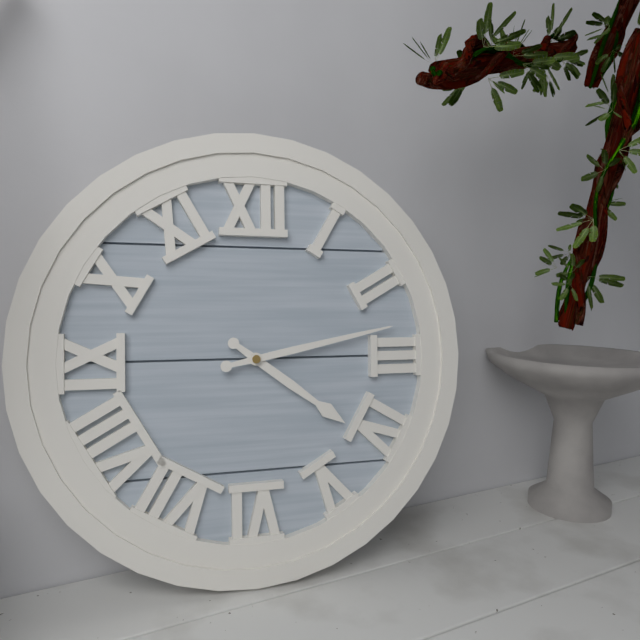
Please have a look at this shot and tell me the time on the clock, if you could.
4:13
